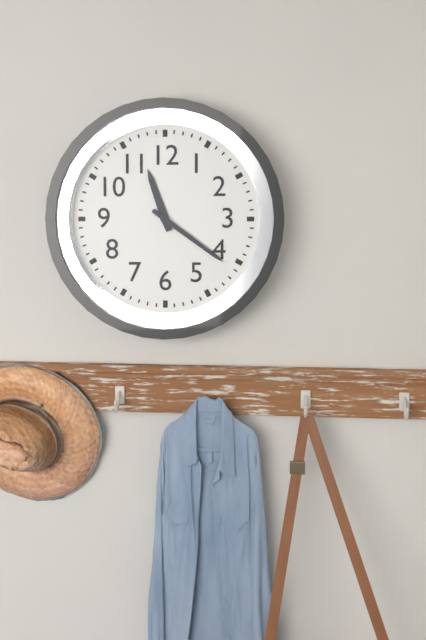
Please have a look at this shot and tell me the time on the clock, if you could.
11:21
